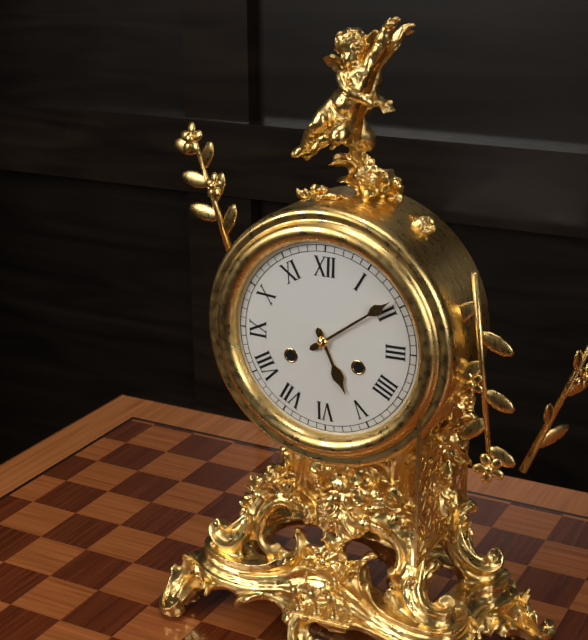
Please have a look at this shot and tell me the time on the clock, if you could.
5:09
